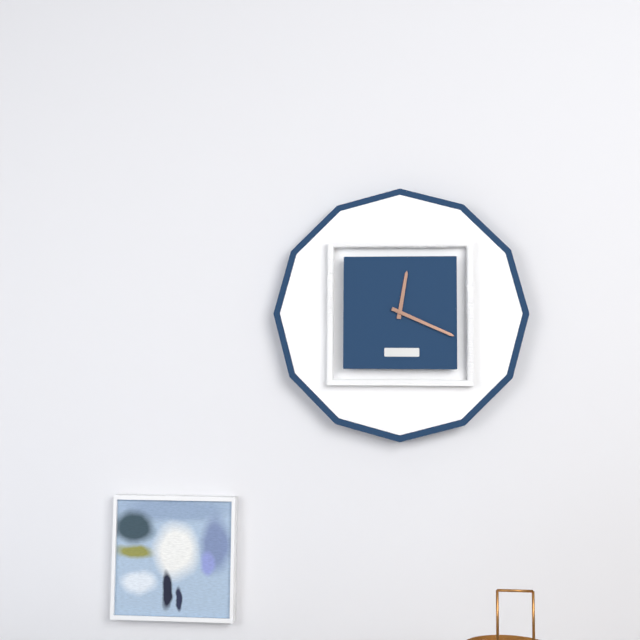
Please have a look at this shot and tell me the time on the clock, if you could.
12:19
